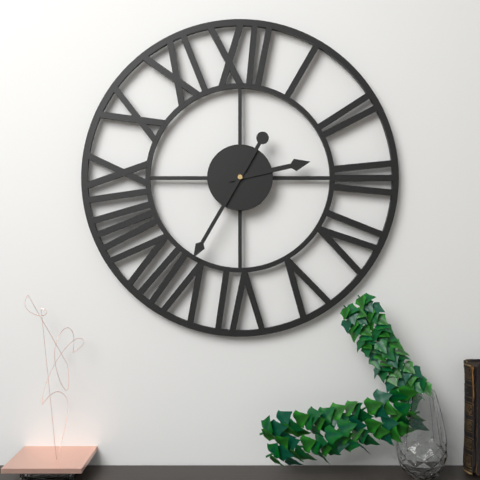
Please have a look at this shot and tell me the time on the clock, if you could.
2:35
